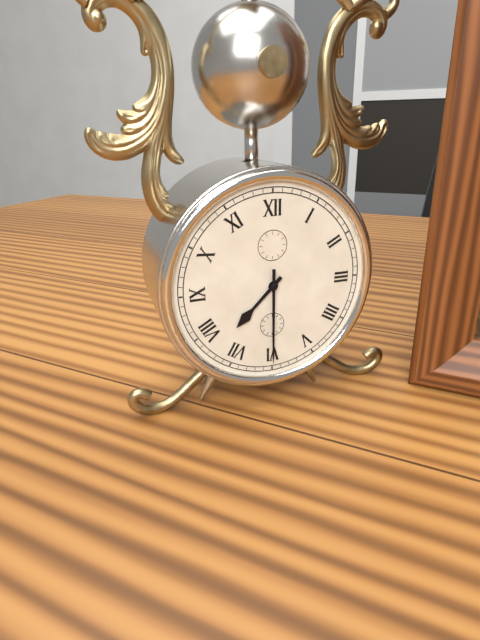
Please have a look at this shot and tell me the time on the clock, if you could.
7:30
